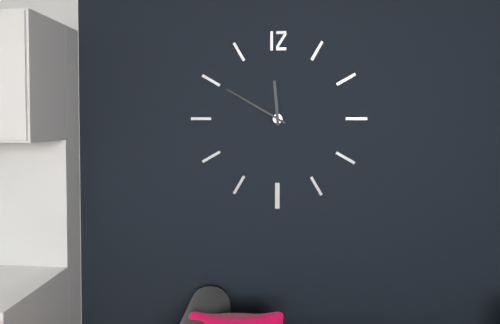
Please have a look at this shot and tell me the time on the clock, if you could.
11:50
